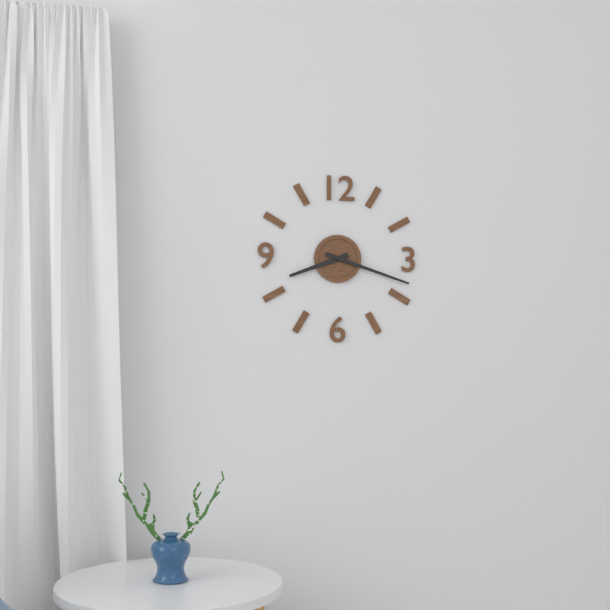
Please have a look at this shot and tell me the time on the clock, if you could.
8:18
